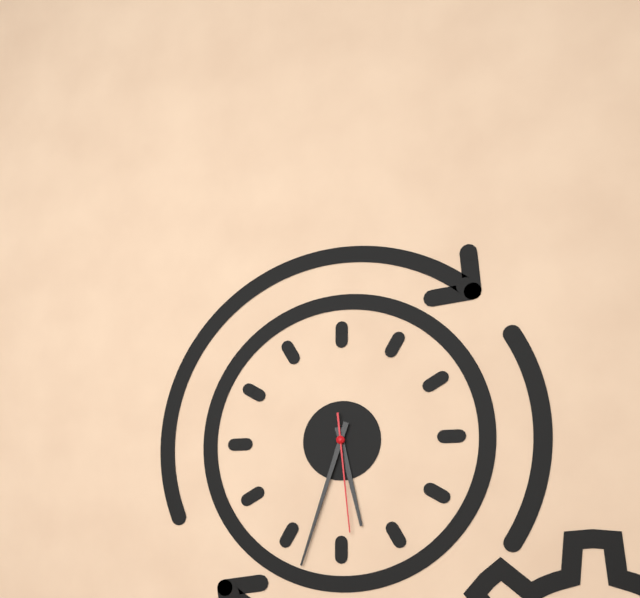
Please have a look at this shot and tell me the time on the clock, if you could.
5:33:29
